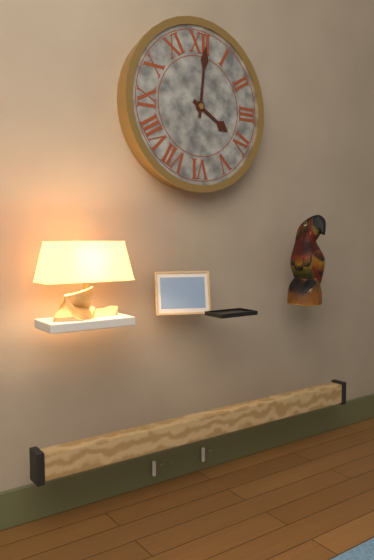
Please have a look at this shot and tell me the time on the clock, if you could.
4:01
